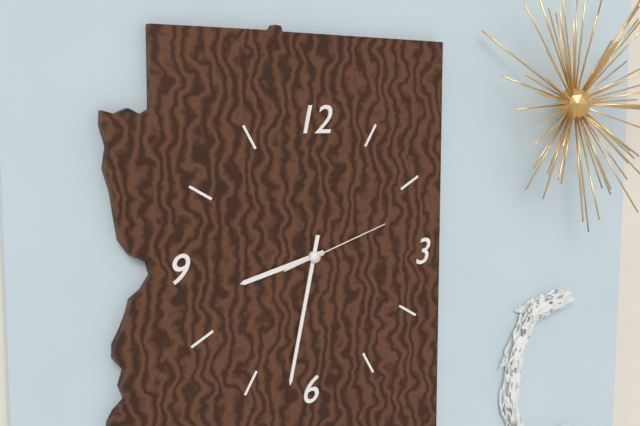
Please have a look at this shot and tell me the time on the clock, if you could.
8:32:12
